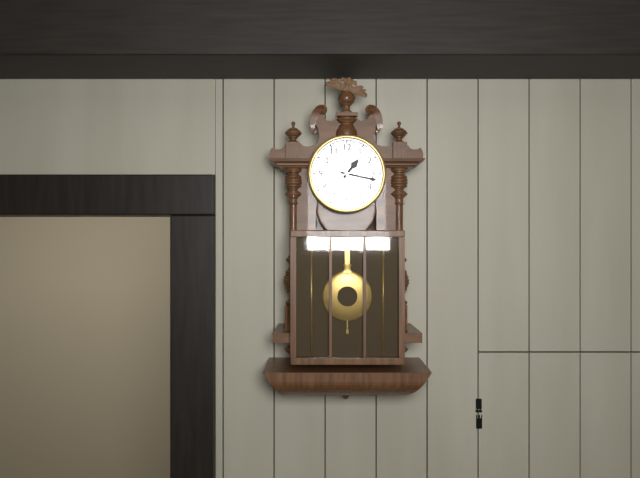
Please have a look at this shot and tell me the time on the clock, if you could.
1:17
